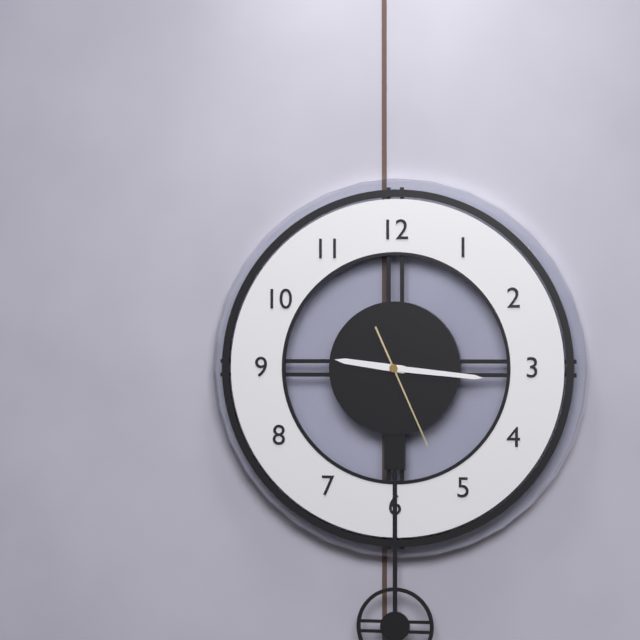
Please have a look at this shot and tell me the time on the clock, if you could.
9:16:26
